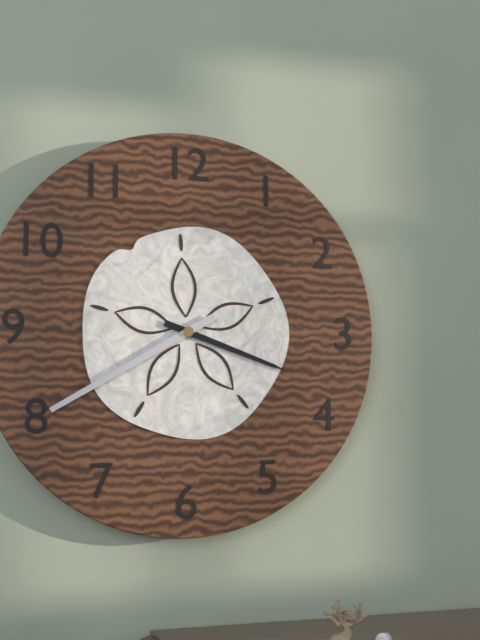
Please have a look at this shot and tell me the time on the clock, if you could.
3:40
